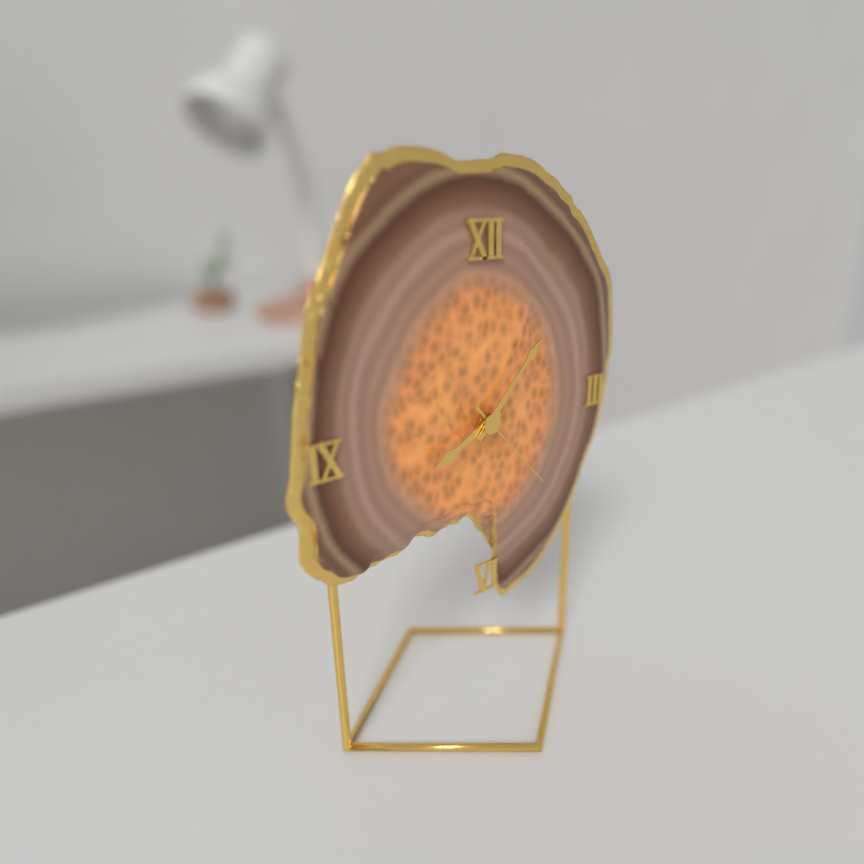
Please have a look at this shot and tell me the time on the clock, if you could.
8:07:23
